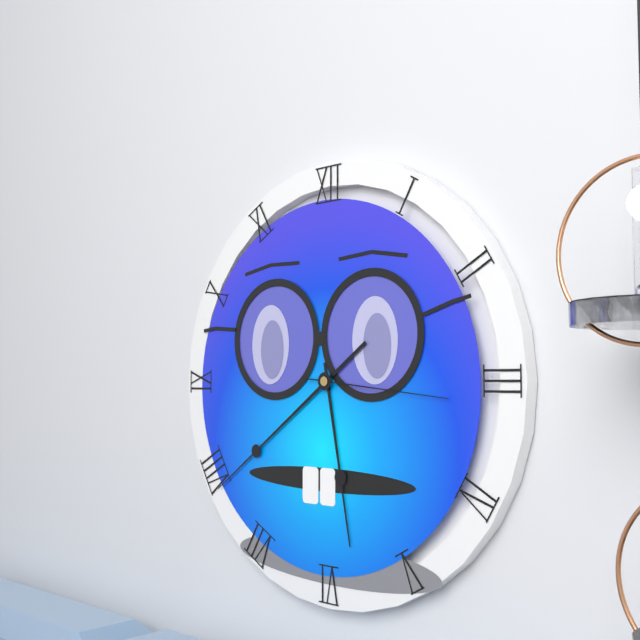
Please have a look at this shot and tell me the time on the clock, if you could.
5:39:16
